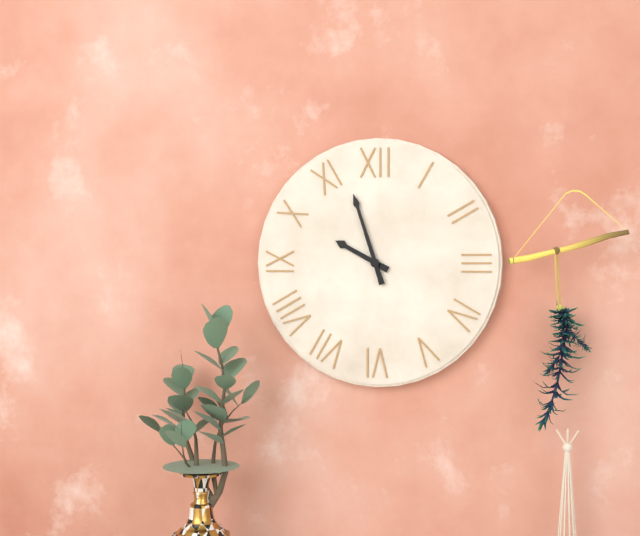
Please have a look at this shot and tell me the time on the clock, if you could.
9:57
